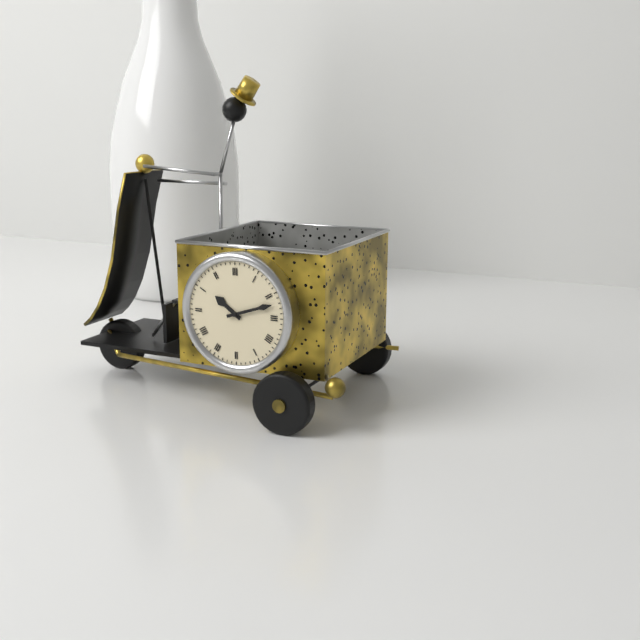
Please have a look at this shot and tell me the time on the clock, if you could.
10:12
